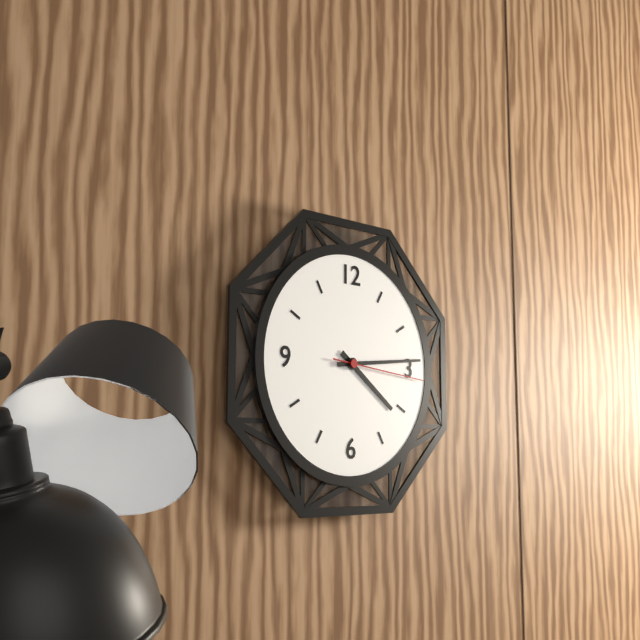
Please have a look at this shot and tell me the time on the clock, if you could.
4:14:16
